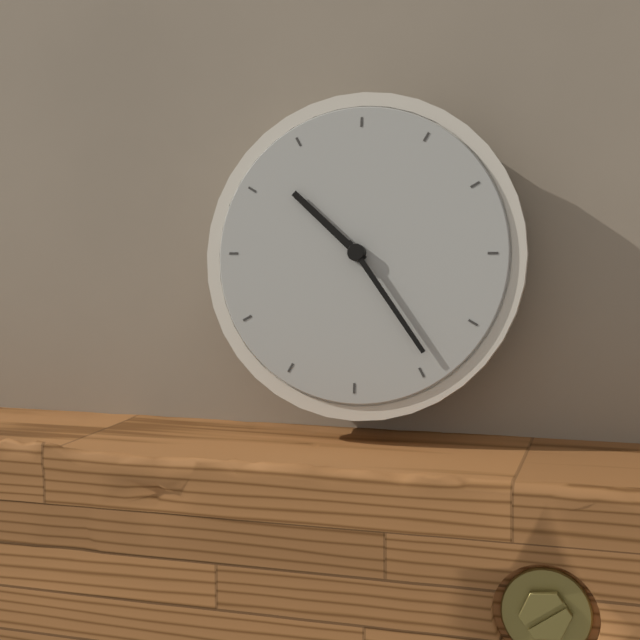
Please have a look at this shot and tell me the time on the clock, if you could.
10:24
